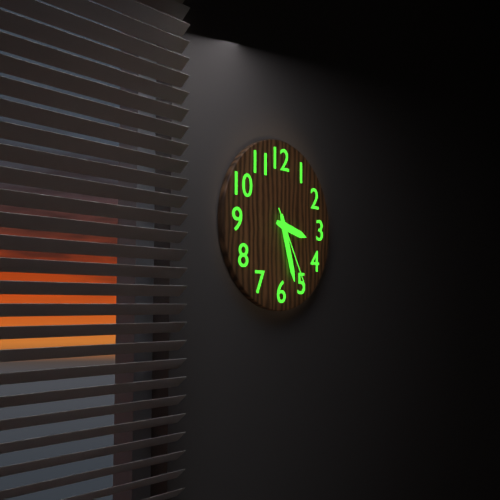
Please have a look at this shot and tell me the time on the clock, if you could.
3:27:25
